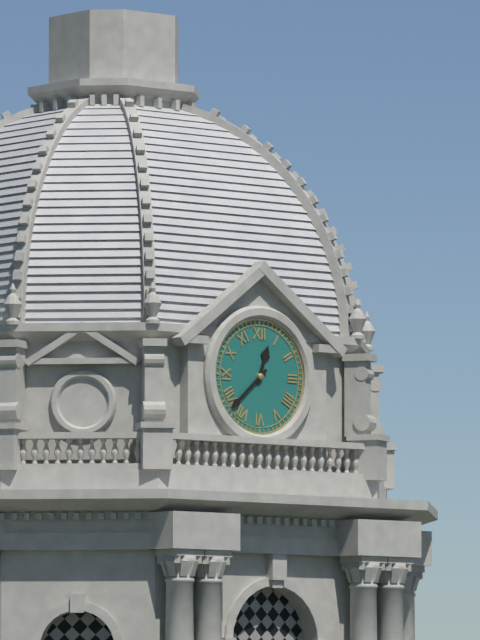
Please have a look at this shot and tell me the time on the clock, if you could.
12:38
